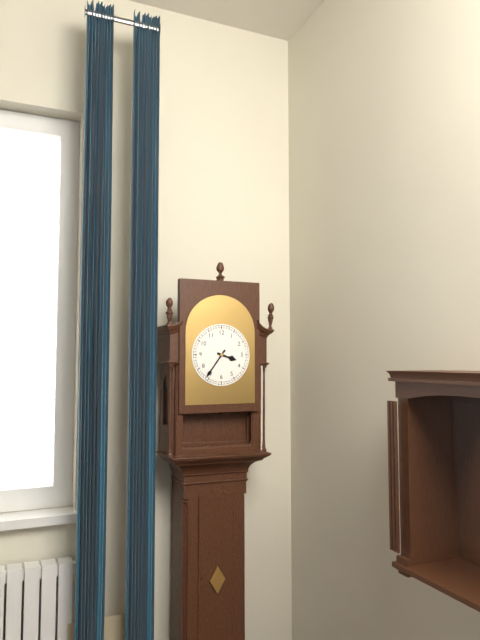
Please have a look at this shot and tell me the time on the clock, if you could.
3:36
